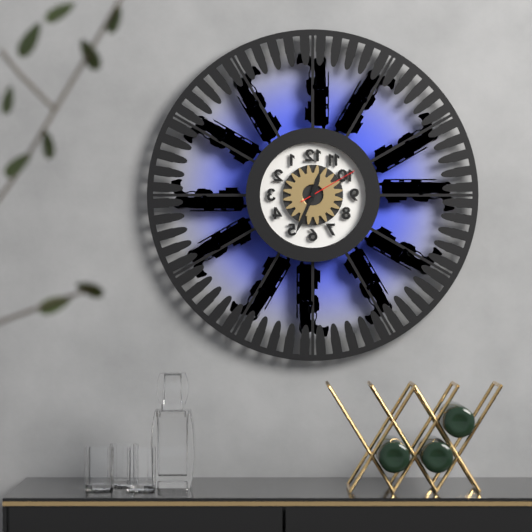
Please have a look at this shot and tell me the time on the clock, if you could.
12:34:10
